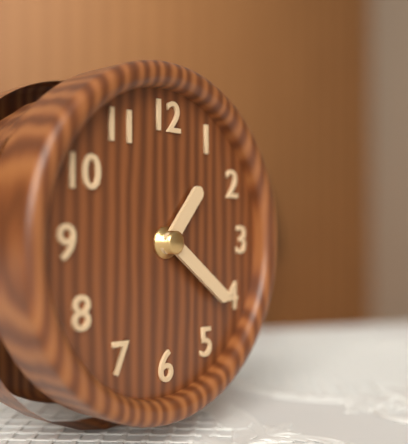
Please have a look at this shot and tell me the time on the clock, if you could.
1:21
